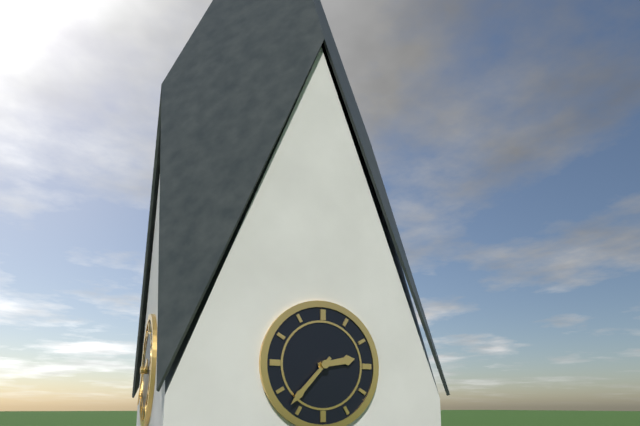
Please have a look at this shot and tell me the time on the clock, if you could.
2:37
